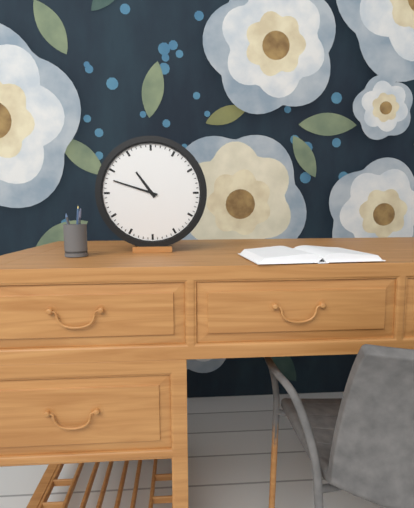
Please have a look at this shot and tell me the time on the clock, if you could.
10:48
